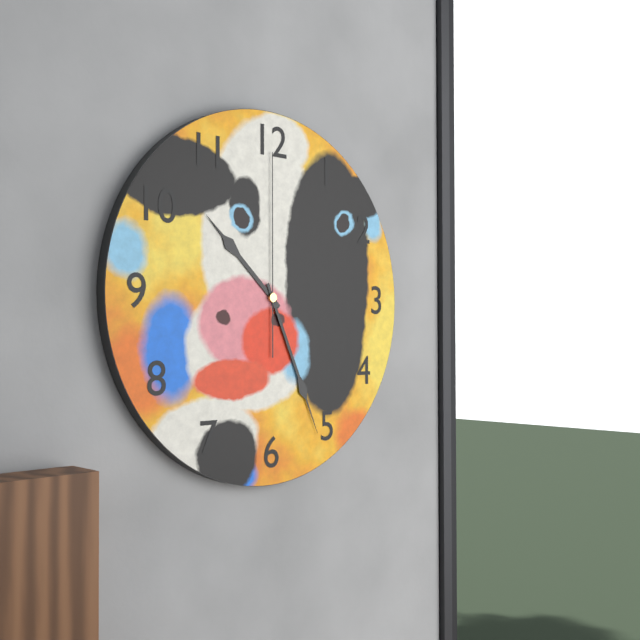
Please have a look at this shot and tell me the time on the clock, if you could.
10:26:00
